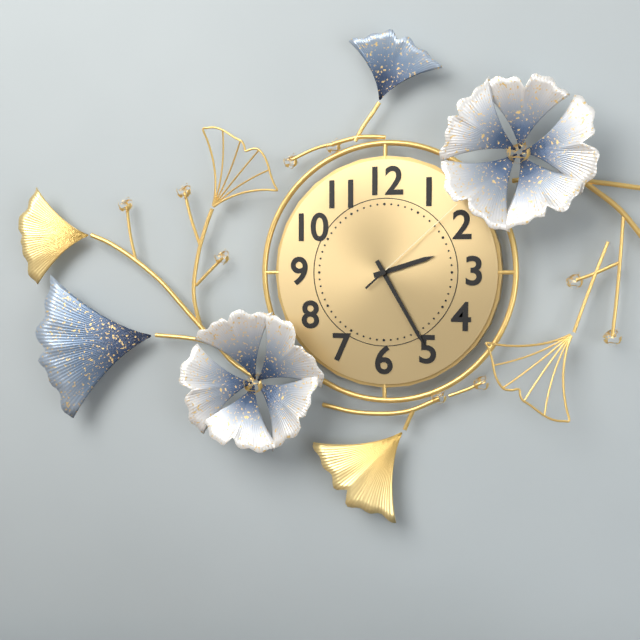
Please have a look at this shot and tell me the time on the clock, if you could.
2:25:08
